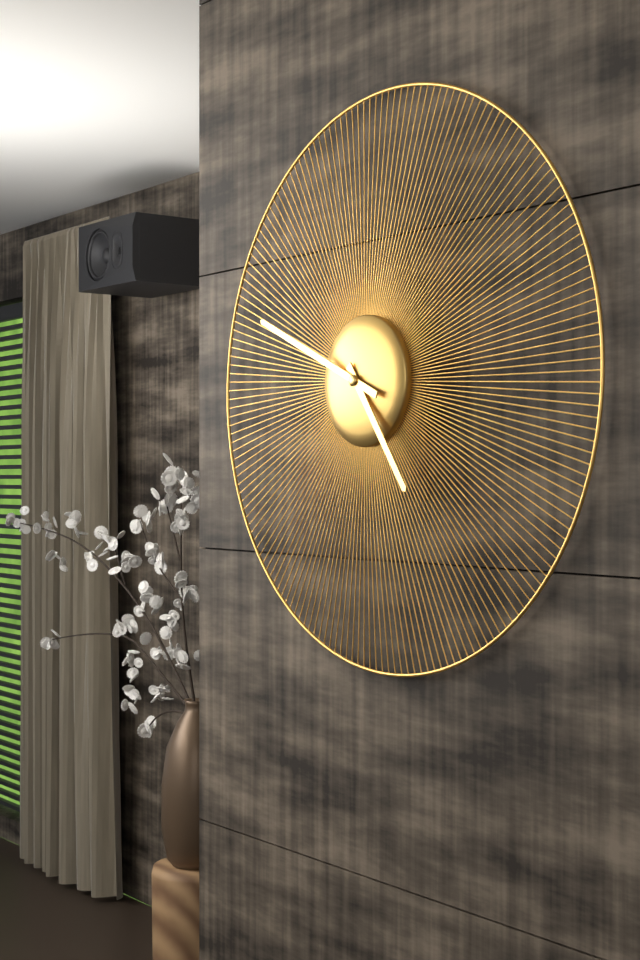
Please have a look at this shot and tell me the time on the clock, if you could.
4:49
